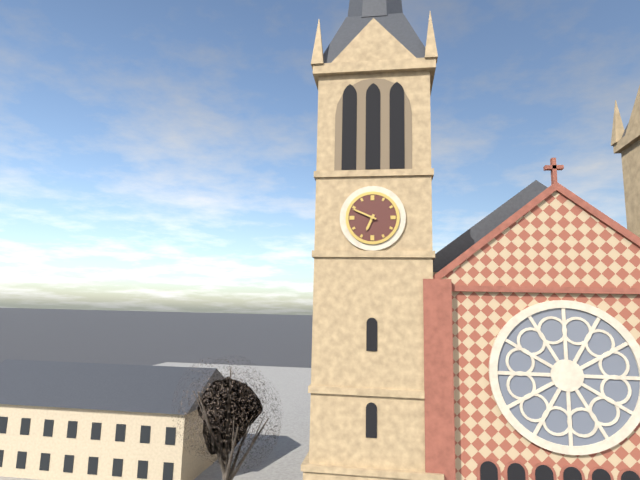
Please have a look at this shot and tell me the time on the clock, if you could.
6:49
